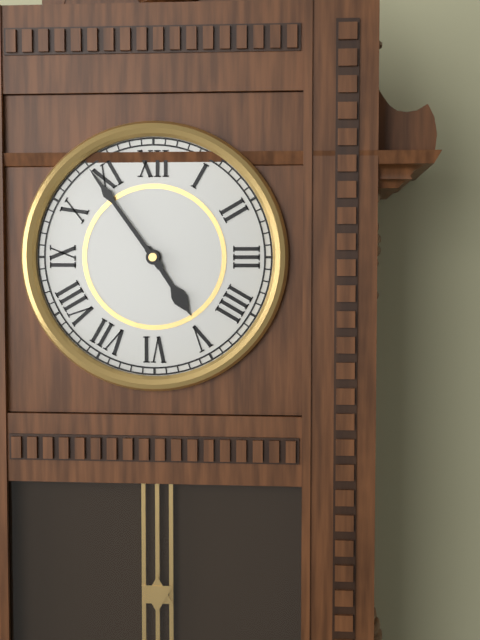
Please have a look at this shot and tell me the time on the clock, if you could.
4:54
